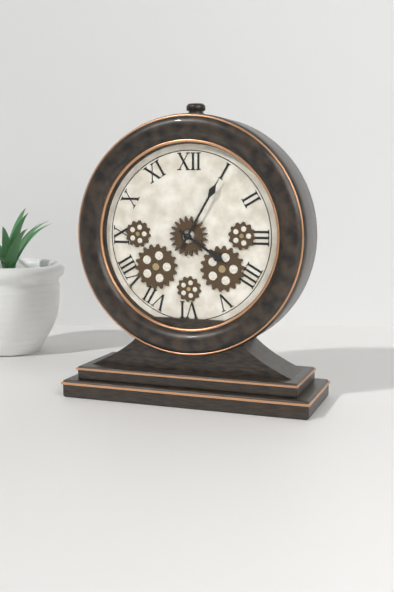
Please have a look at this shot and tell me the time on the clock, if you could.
4:05
